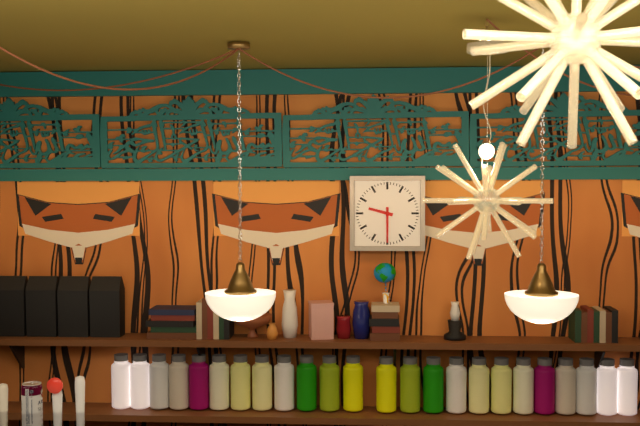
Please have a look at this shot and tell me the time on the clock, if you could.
9:30
